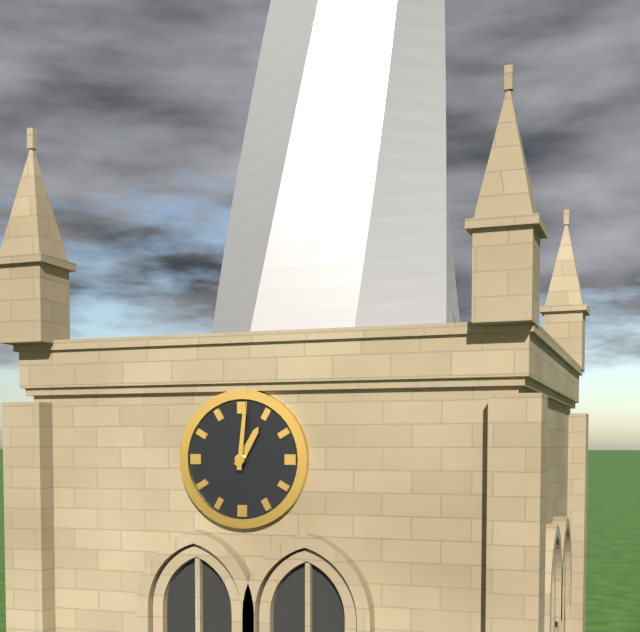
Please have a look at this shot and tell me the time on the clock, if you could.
1:01
